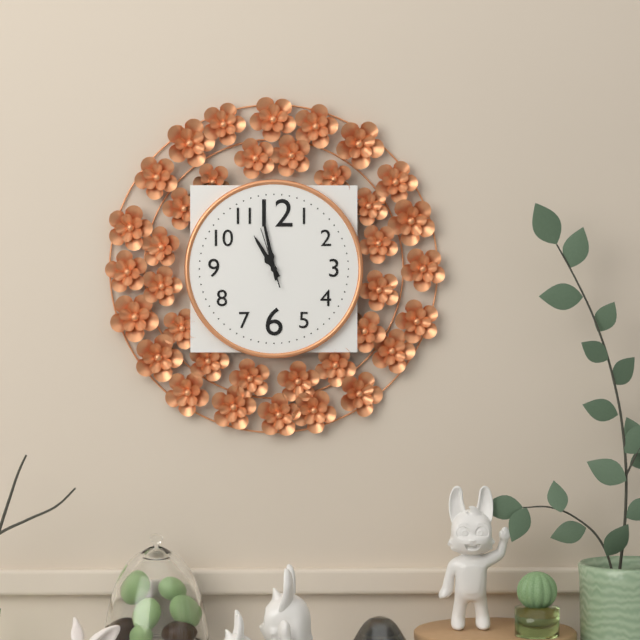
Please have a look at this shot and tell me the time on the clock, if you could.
10:58:57
